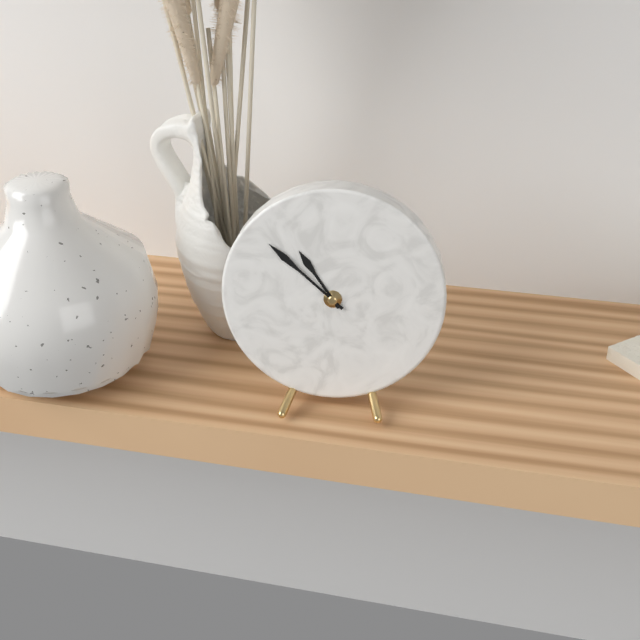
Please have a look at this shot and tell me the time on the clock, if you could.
10:52
